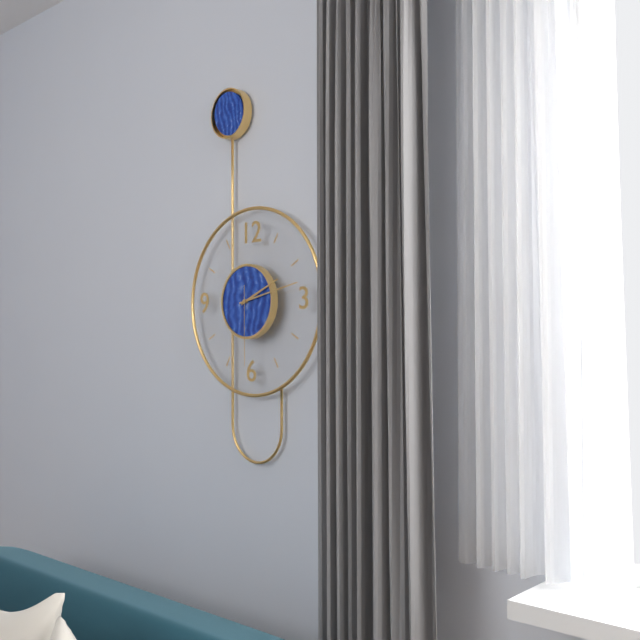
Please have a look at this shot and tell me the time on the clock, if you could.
2:13:30
